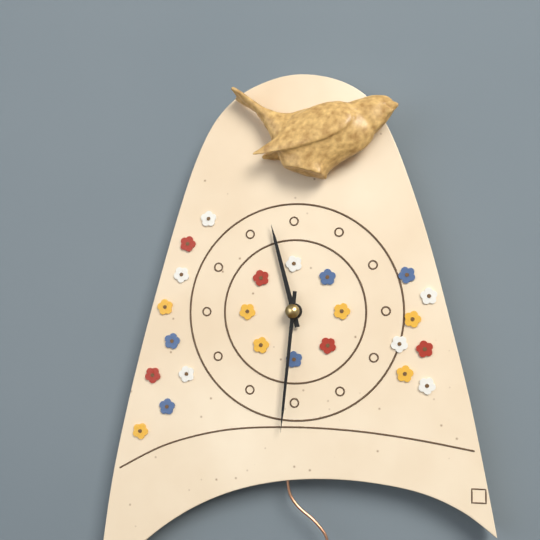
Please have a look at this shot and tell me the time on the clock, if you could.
11:31
